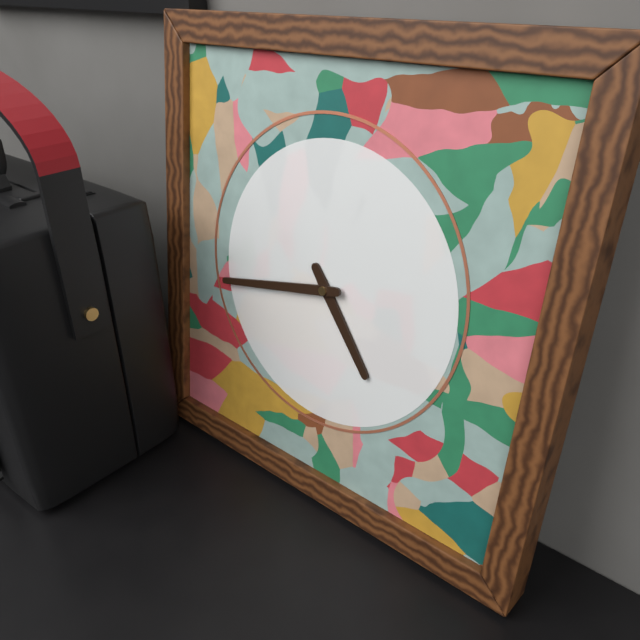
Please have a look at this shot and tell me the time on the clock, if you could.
4:43
